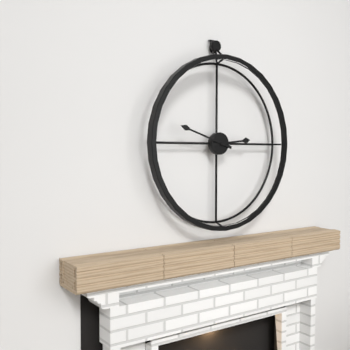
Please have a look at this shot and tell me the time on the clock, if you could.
2:48
